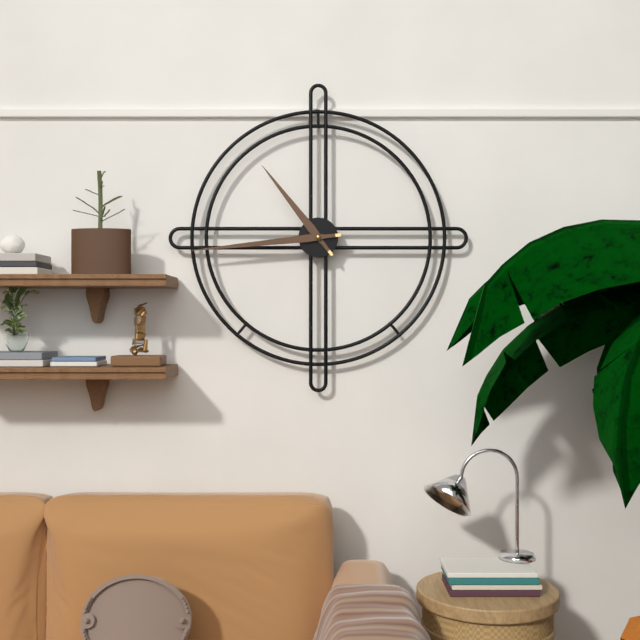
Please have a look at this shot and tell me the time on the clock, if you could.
10:44
